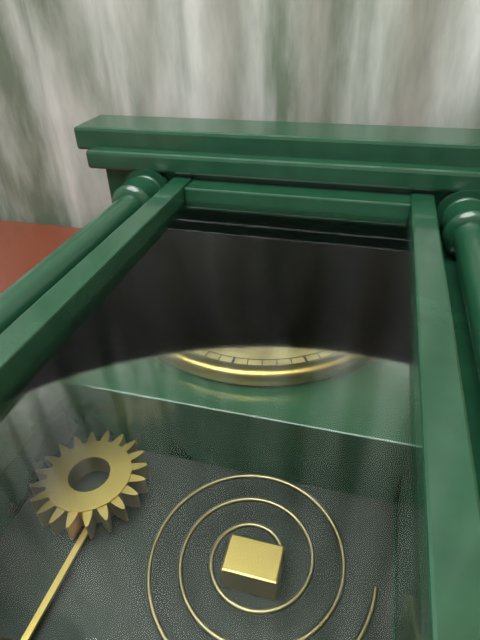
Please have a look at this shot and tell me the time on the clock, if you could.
6:00
